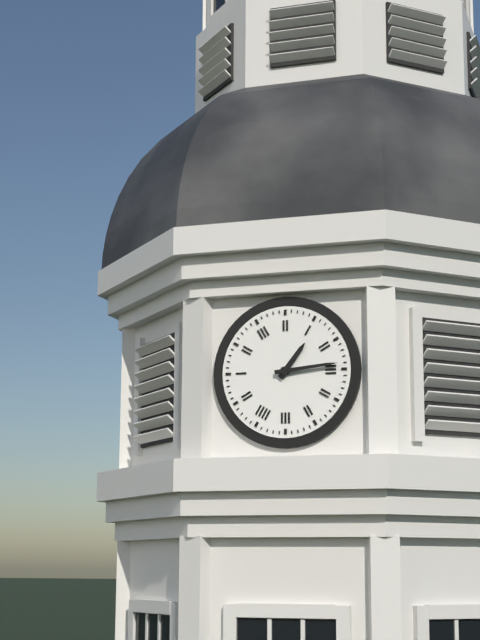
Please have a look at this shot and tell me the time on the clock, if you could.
1:14
